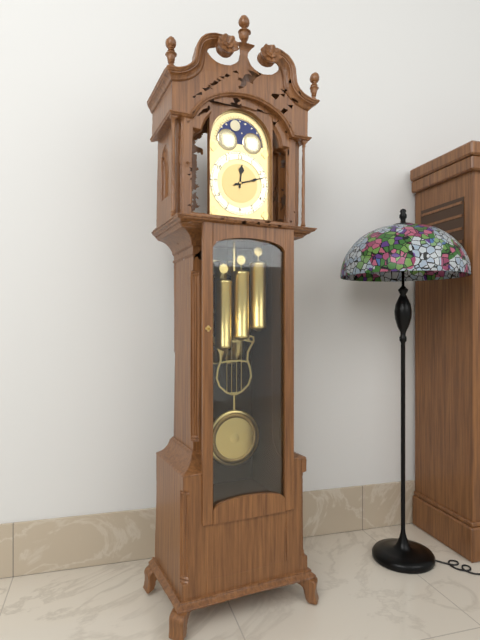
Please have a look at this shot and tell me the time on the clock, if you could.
12:12
